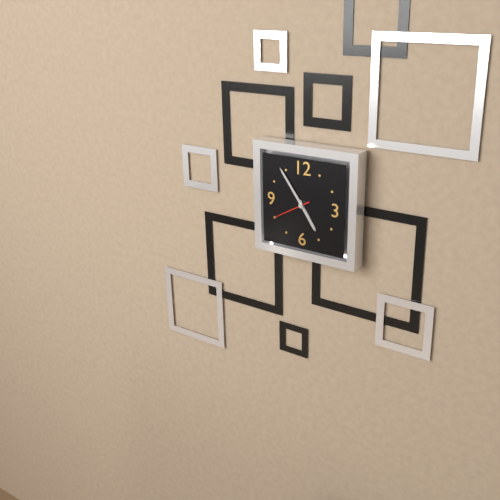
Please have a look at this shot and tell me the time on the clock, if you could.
4:54
